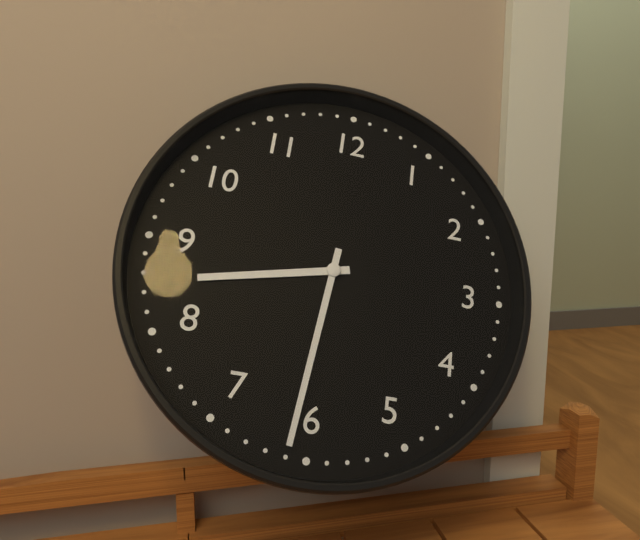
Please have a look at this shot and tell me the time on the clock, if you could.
8:31
